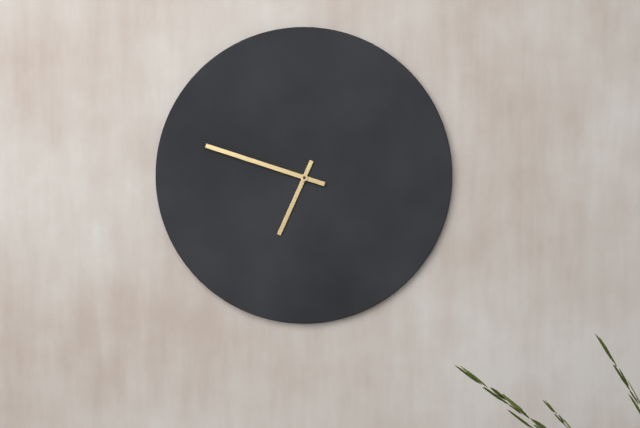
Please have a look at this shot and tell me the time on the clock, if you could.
6:48
